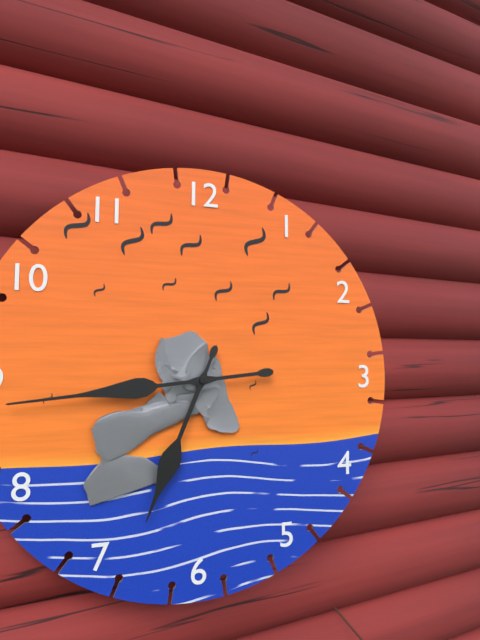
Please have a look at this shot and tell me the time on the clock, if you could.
6:44
